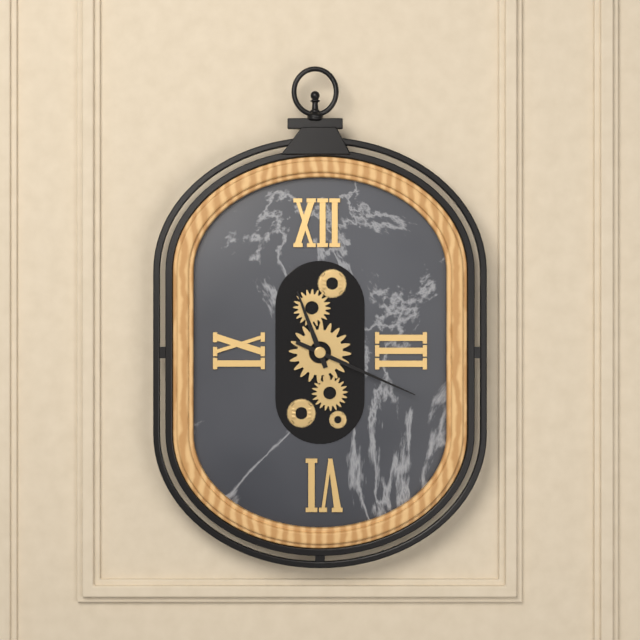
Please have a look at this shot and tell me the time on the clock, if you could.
11:19
